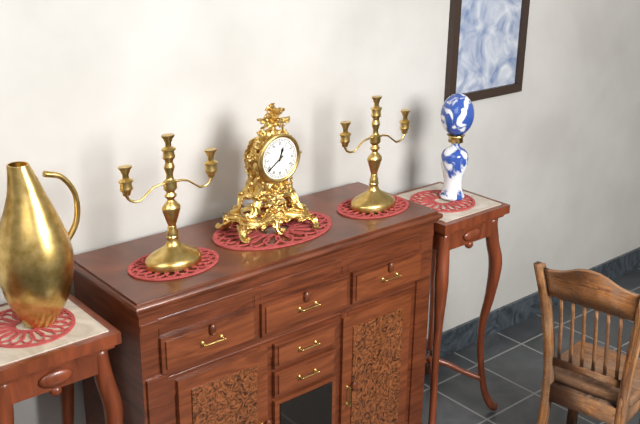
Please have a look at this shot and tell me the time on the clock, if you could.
12:39
